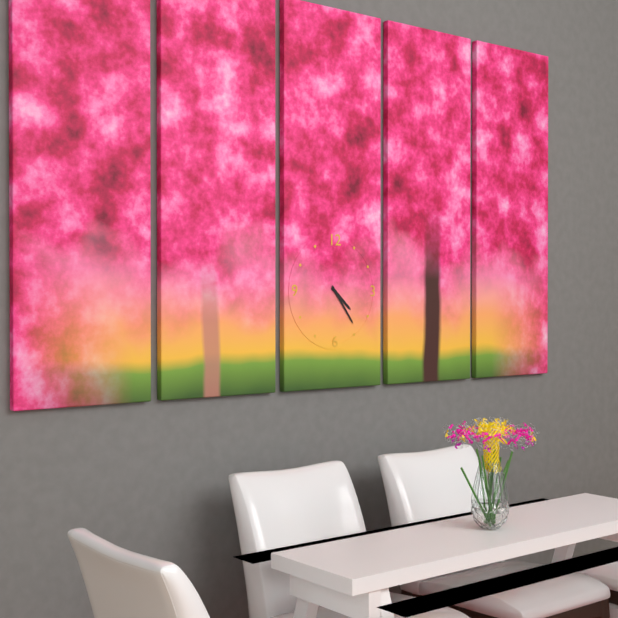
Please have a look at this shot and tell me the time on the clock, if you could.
4:24
